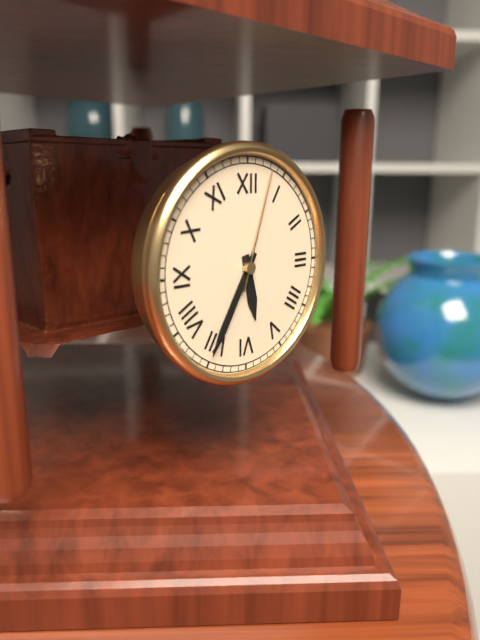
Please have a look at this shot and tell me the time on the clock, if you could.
5:35:03
